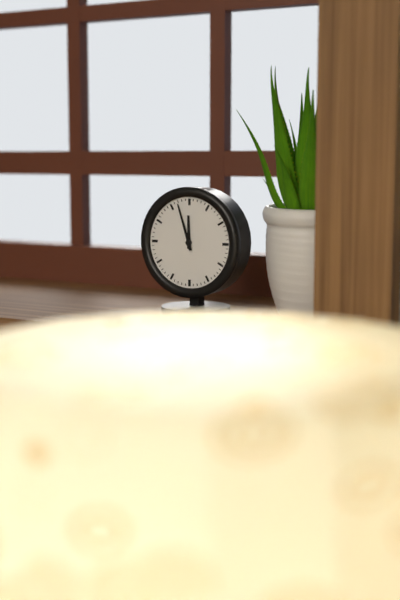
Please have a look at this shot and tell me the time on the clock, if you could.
11:57
